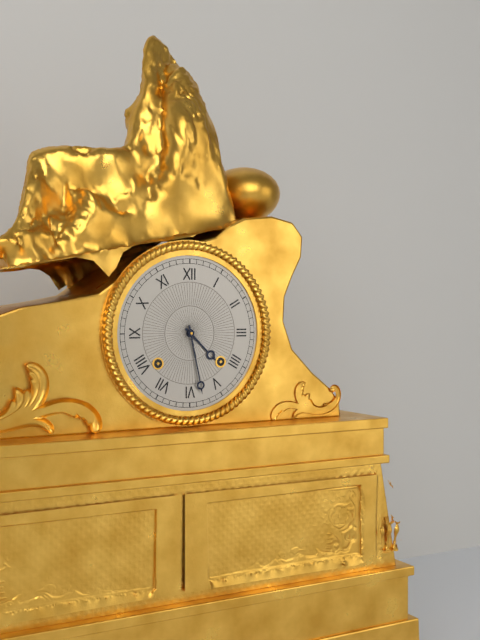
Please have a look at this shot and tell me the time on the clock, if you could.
4:28
